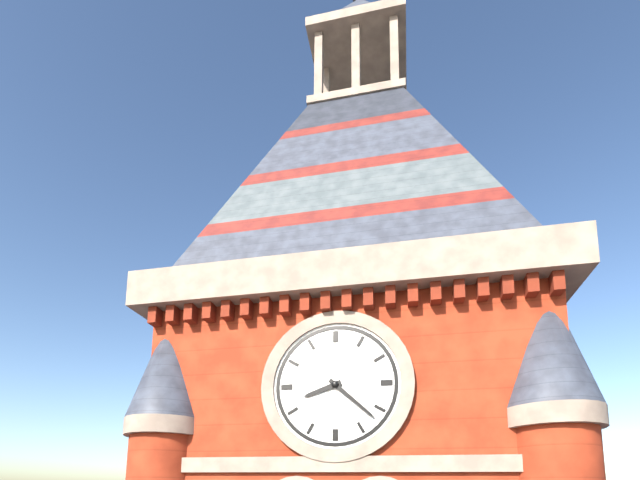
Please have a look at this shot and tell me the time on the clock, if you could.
8:22
